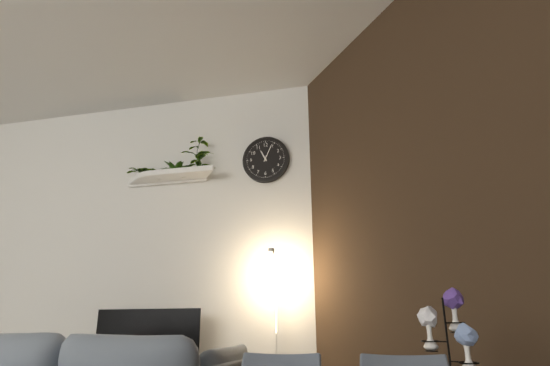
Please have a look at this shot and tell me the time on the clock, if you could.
11:04
